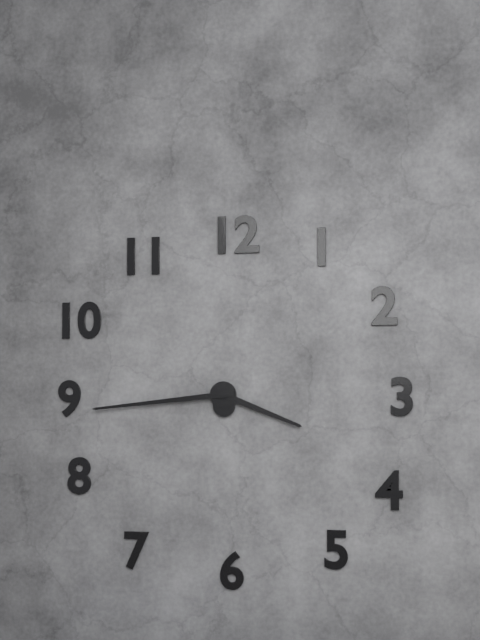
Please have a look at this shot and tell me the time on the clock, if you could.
3:44
